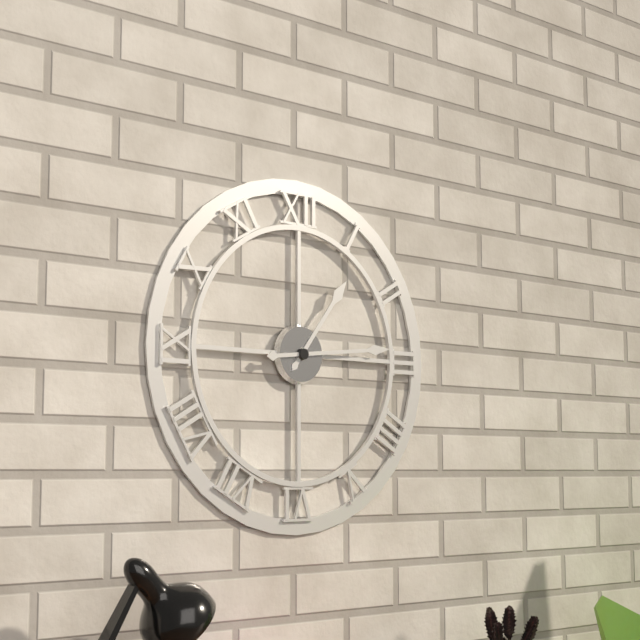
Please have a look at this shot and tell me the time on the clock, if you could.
1:14
